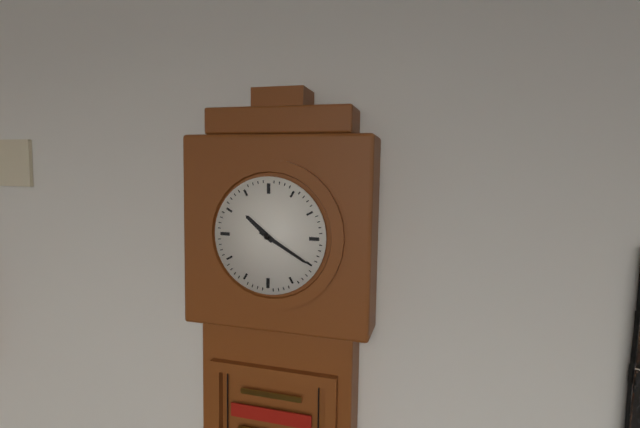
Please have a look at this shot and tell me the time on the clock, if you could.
10:20
